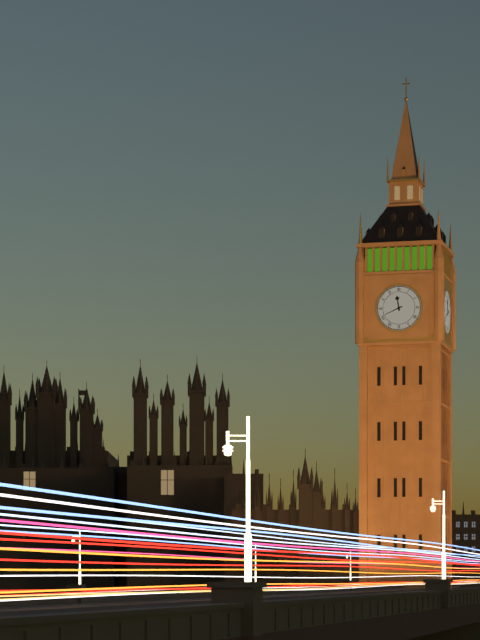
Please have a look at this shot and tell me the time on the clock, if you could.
11:41
